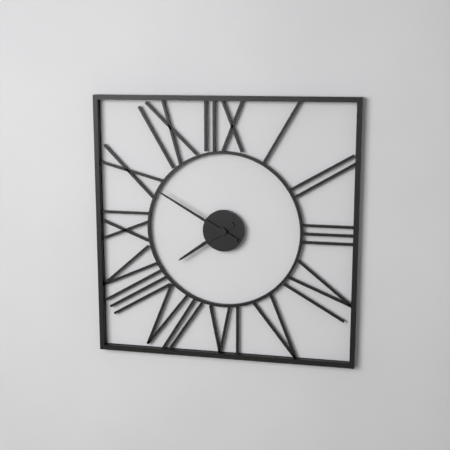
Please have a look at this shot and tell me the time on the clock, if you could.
7:50
